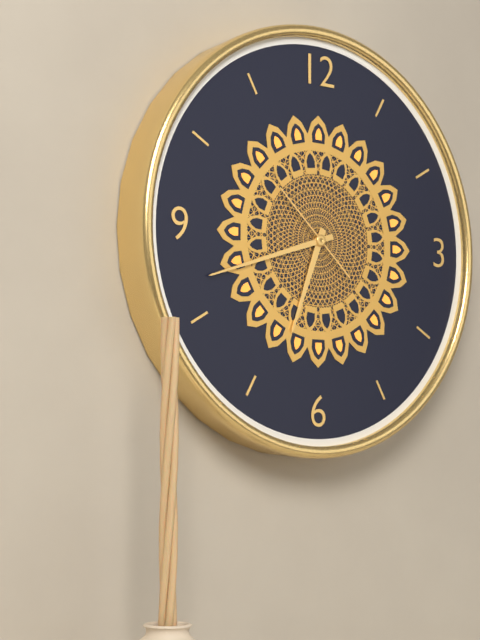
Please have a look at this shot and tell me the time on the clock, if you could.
6:42:52
